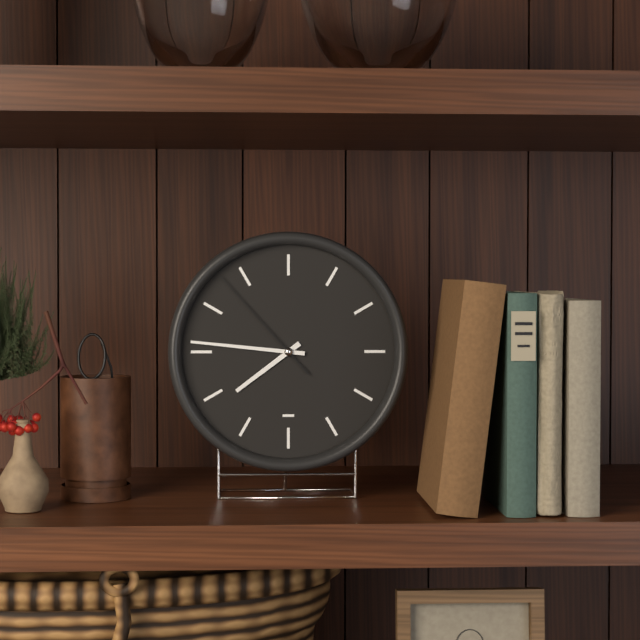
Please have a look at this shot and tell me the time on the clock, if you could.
7:46:53
